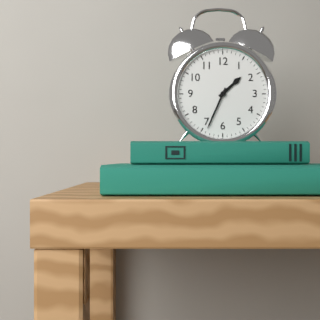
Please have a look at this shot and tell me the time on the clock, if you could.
1:34
